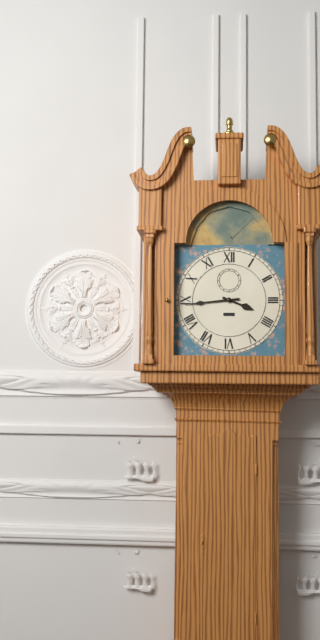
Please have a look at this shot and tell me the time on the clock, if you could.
3:44
